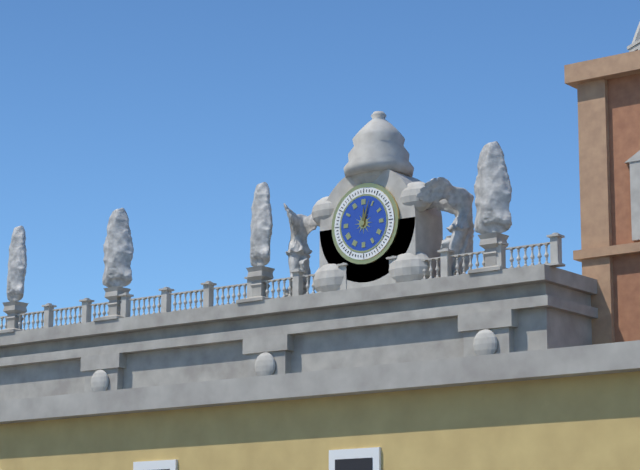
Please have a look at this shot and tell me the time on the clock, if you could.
12:03
